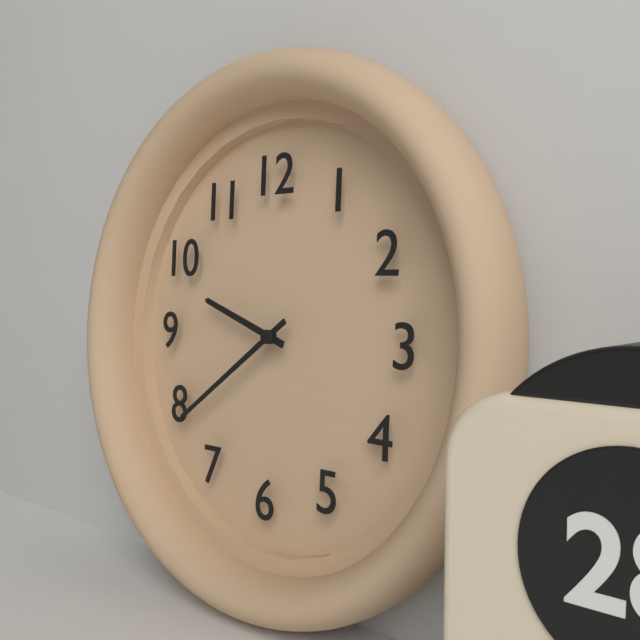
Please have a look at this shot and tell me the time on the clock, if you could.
9:39
